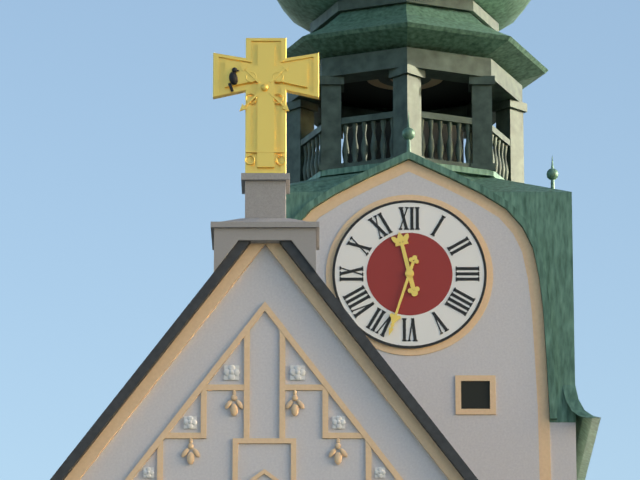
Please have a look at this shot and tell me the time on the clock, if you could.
11:33
